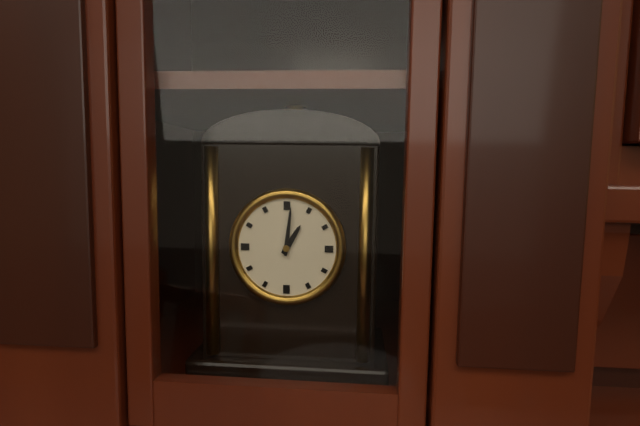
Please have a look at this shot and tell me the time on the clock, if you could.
1:01
